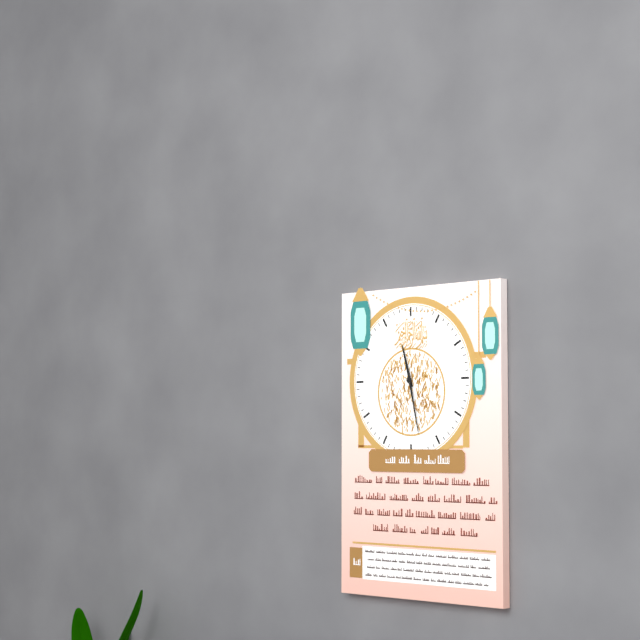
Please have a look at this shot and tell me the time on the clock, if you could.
11:28
